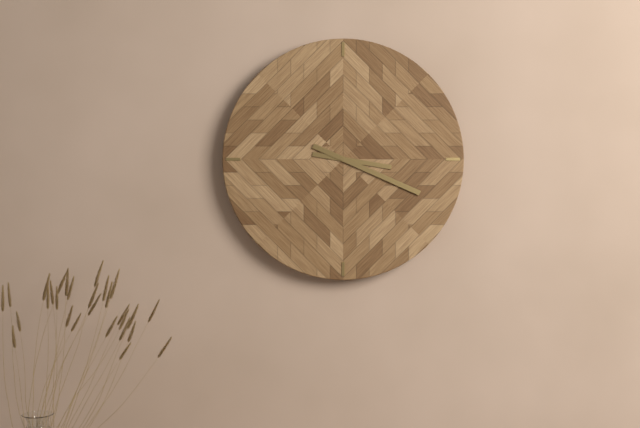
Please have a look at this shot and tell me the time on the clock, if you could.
3:19
